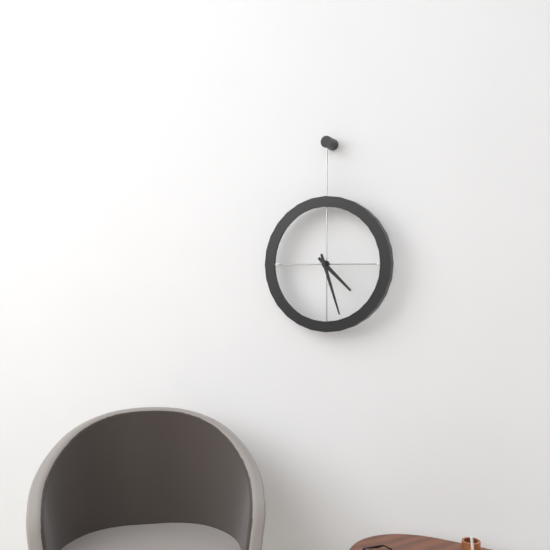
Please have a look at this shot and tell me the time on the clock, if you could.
4:27
